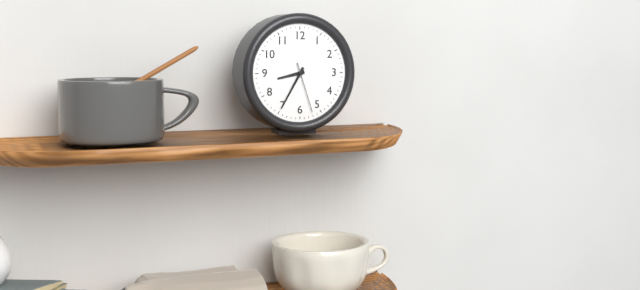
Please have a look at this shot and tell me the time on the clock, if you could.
8:35:27
